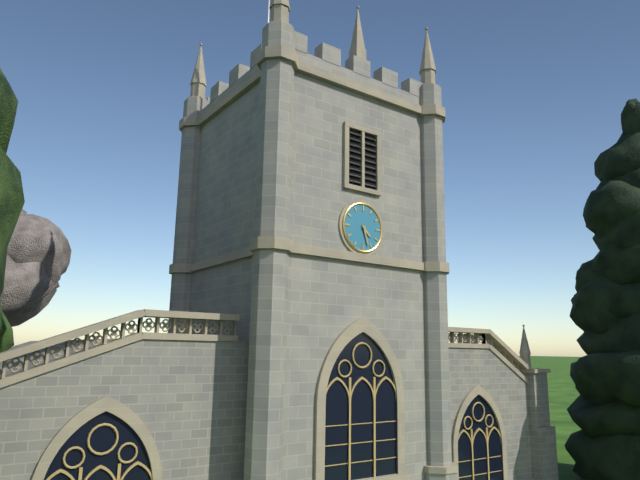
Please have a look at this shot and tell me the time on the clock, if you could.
4:27
